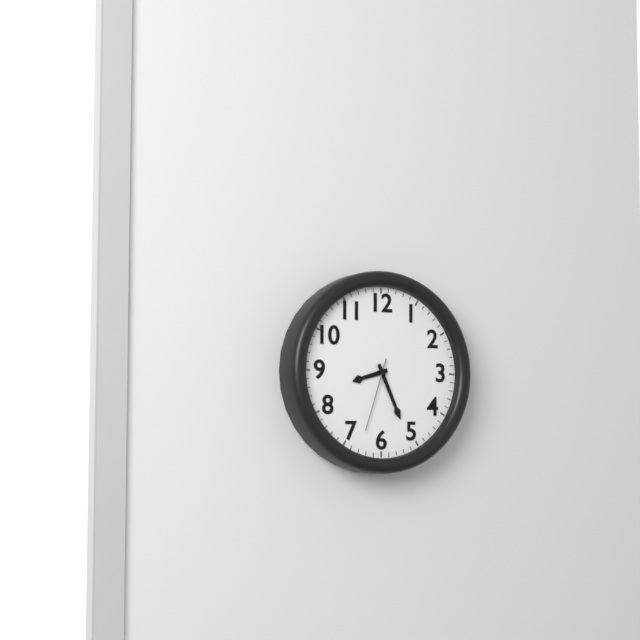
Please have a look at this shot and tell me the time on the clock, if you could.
8:26:33
